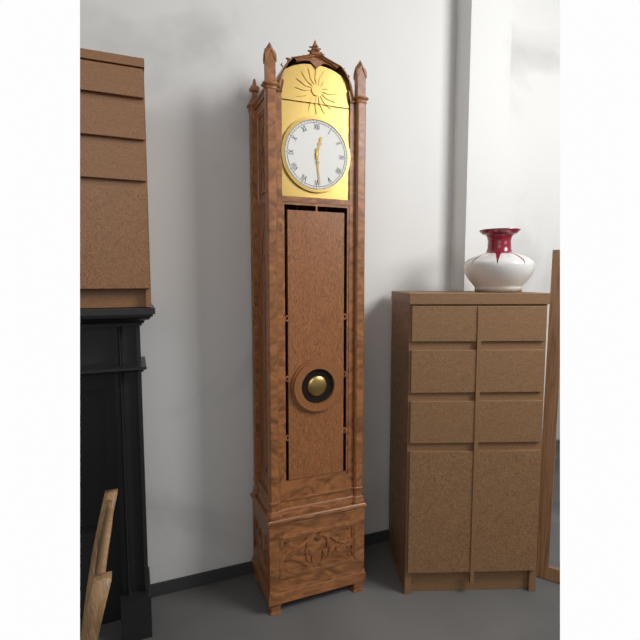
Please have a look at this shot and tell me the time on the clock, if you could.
12:29
